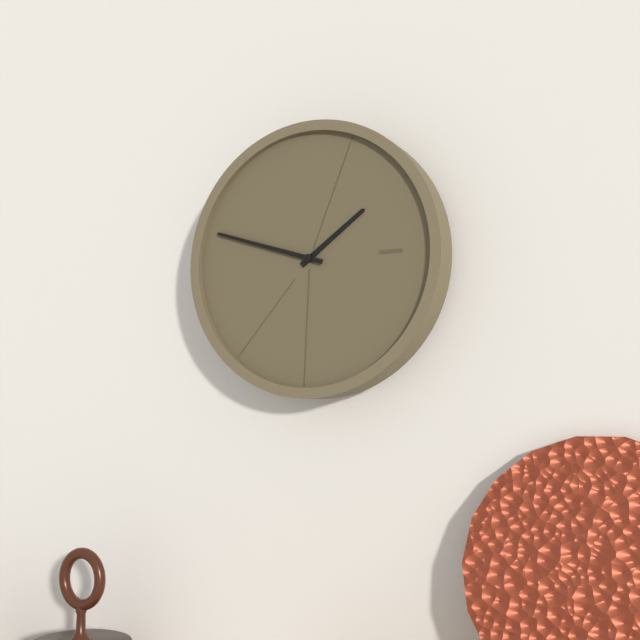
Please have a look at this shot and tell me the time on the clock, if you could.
1:48
